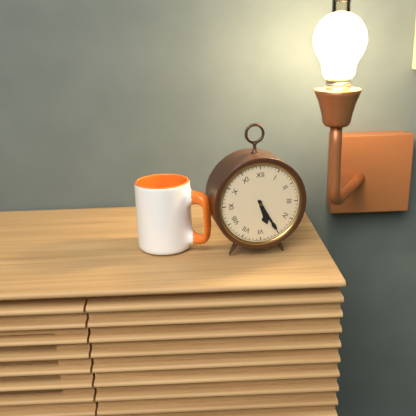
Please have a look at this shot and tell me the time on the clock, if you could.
5:25
